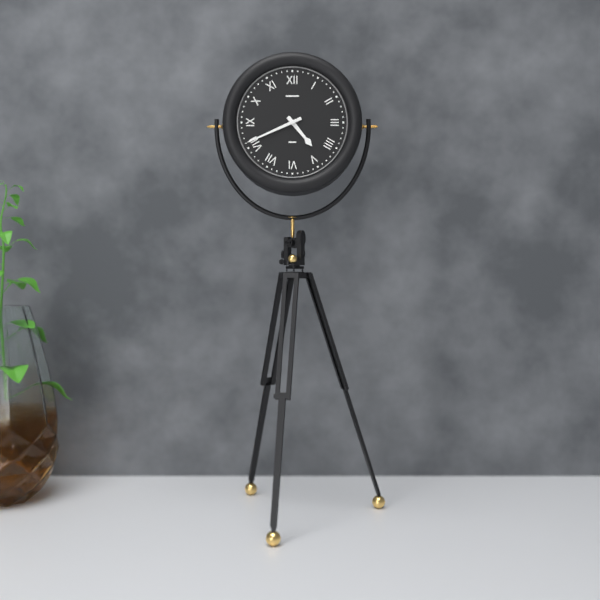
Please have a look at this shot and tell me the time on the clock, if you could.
4:41
